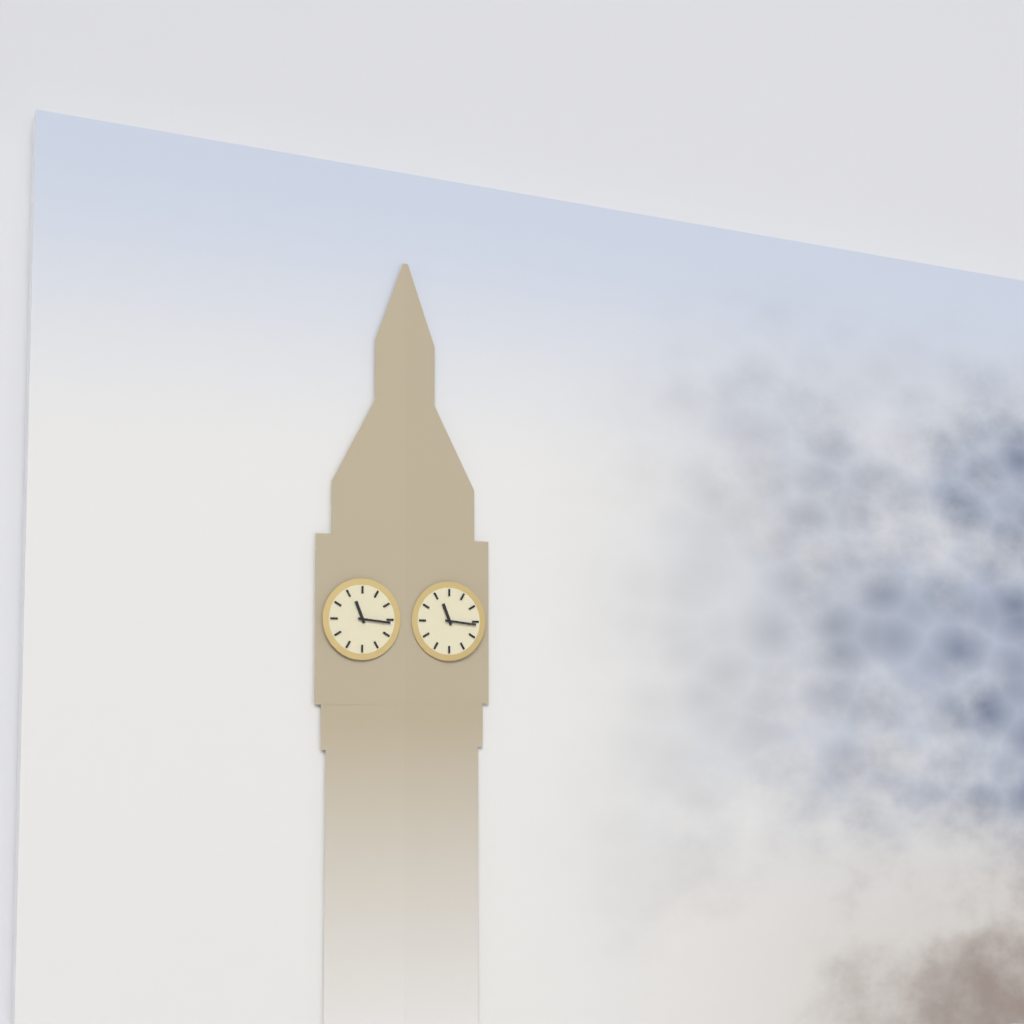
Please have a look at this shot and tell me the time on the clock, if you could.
11:16
